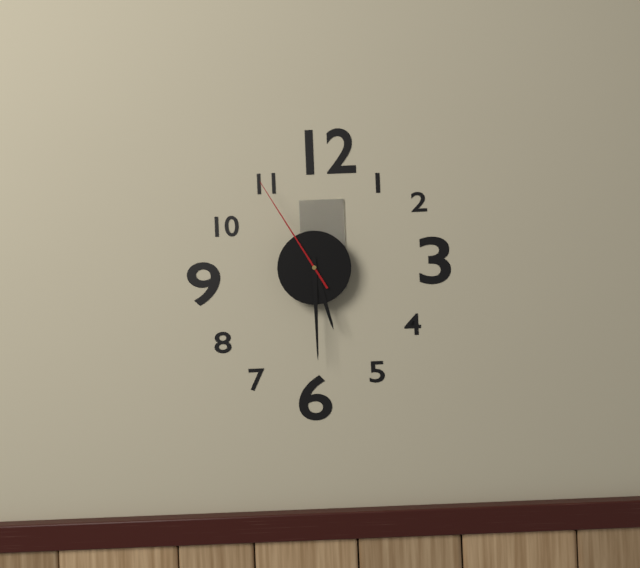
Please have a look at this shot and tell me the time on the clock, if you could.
5:30:55
